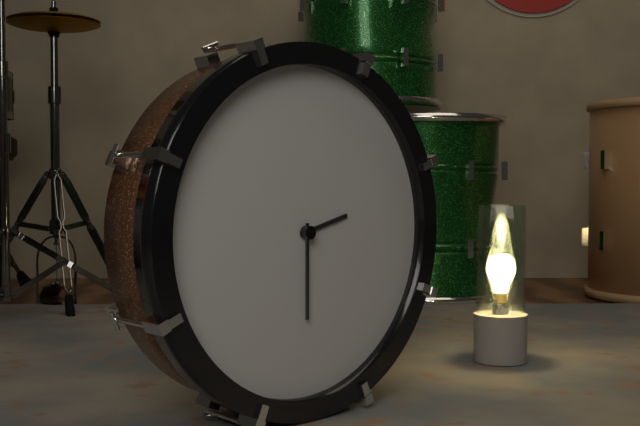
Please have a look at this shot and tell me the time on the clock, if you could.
2:30
